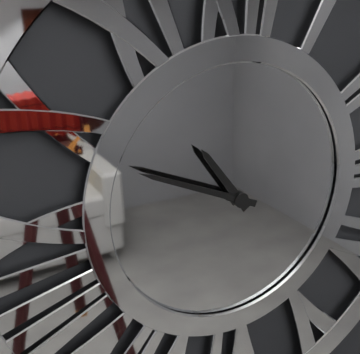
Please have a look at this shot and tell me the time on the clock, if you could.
10:49
